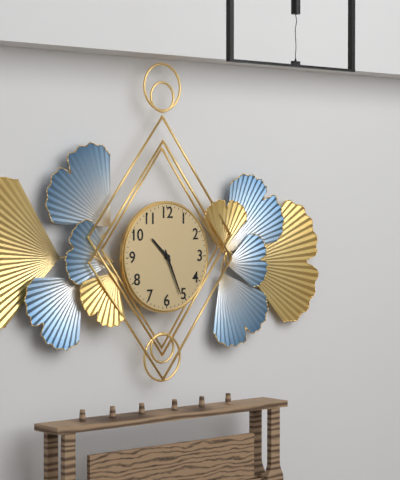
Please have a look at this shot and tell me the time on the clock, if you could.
10:26
